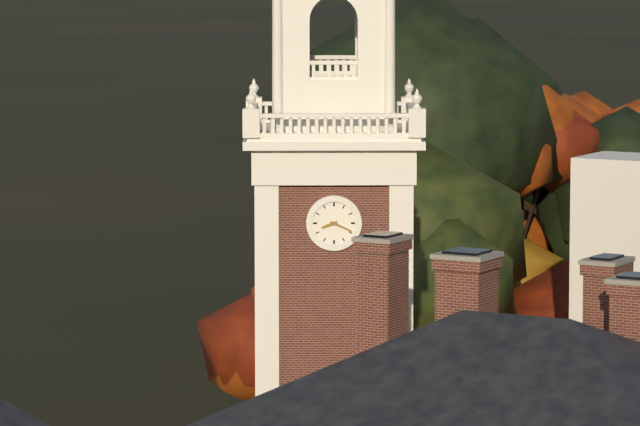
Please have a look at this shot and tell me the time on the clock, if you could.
8:19
